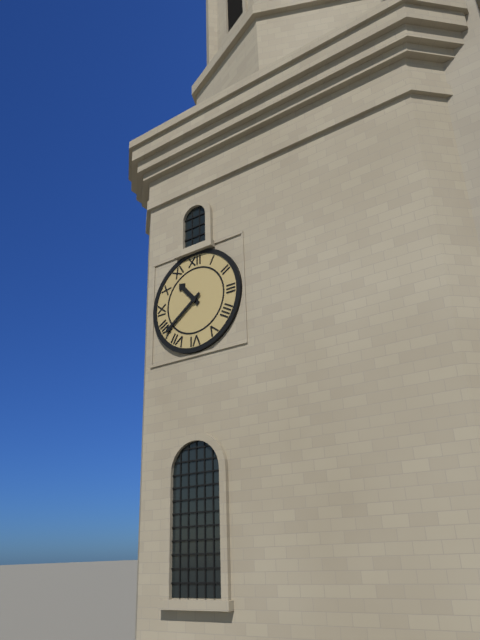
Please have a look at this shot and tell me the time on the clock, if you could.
10:39
